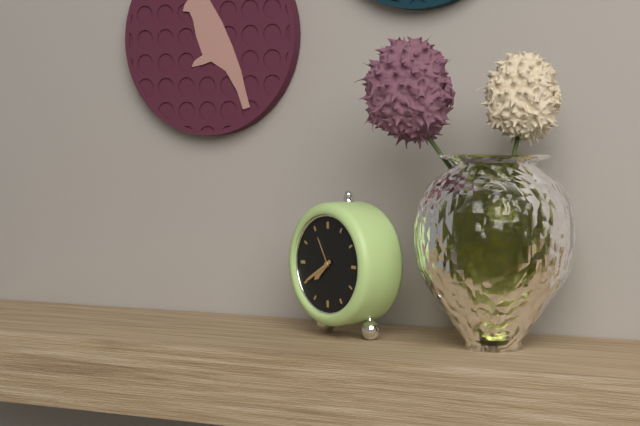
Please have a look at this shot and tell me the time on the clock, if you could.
7:40
